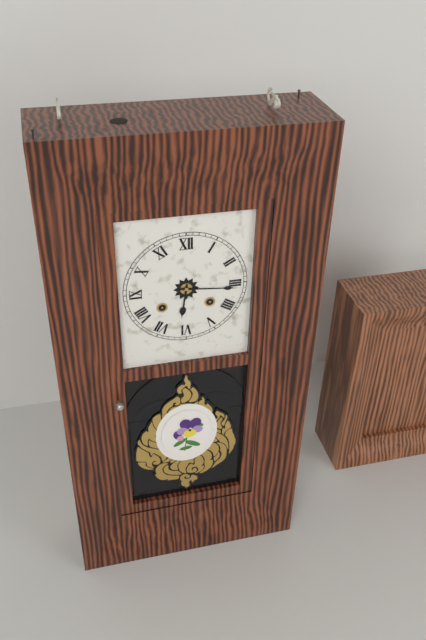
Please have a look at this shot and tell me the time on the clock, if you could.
6:16
